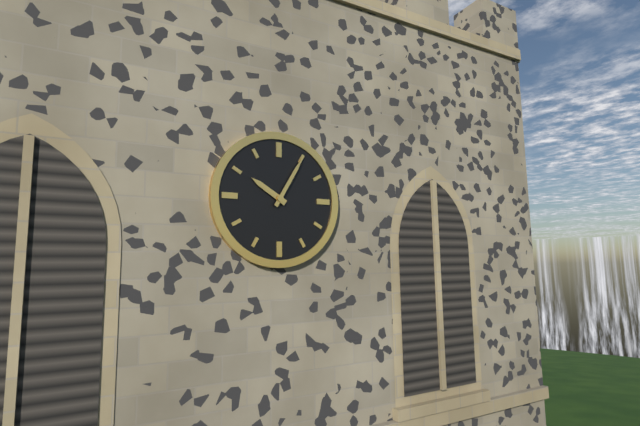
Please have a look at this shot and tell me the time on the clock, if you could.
10:05
